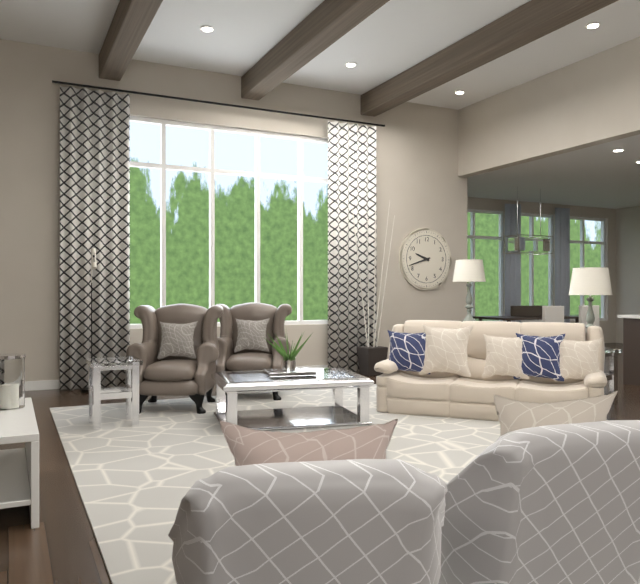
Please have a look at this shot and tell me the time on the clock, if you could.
9:42
